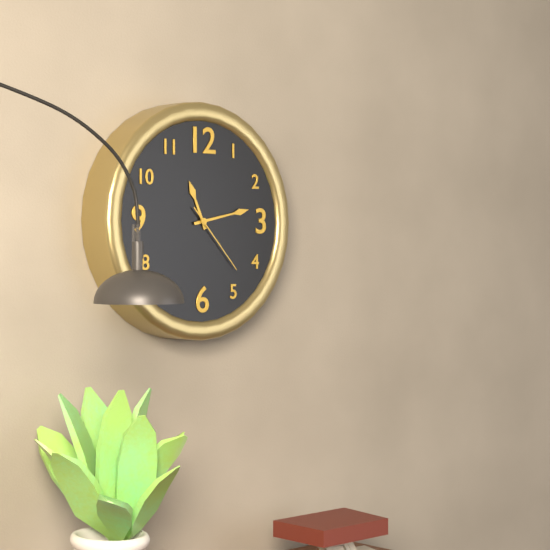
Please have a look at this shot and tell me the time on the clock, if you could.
11:13:23
